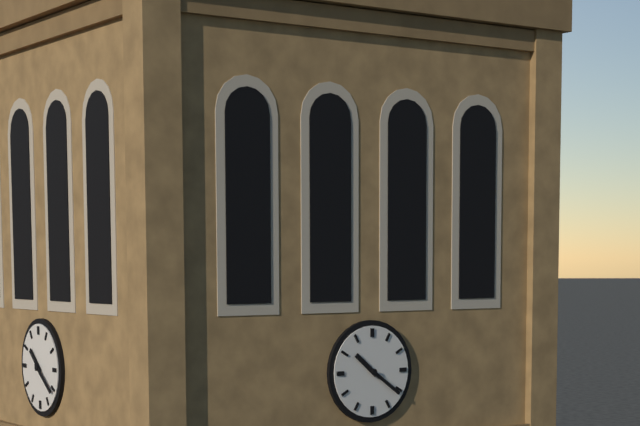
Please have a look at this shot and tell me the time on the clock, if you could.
10:21
